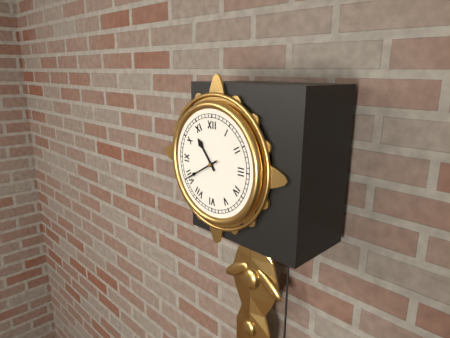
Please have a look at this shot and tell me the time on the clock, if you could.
10:40
